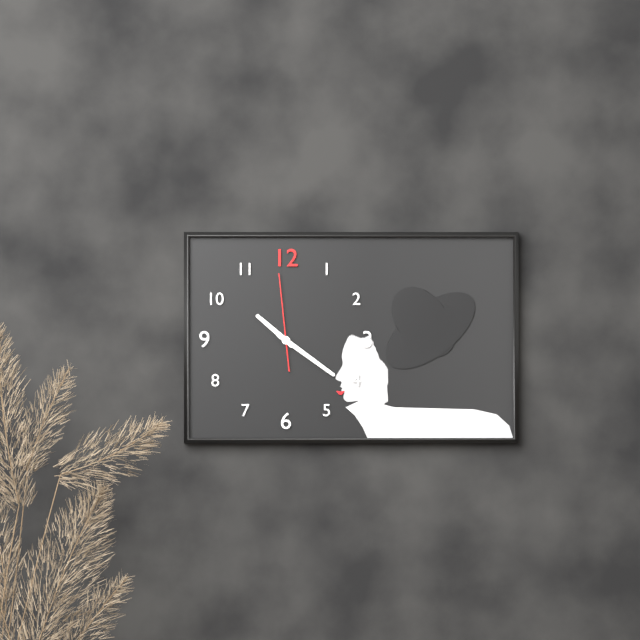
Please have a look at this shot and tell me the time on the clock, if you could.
10:21:59
